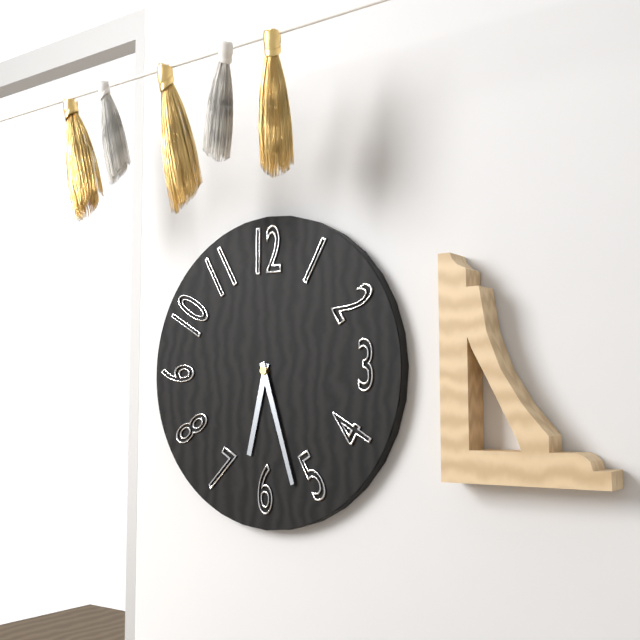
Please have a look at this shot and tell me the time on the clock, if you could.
6:27
